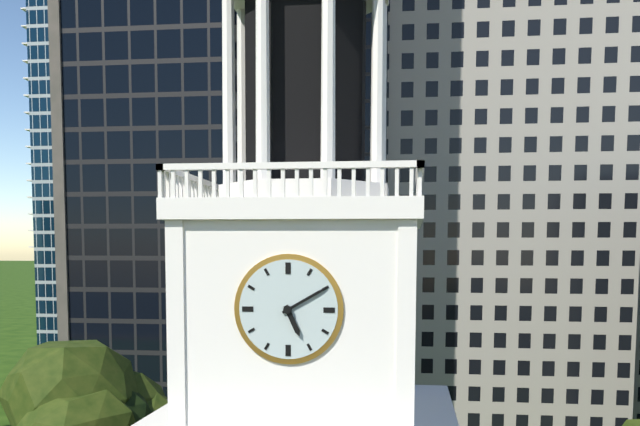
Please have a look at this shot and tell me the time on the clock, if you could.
5:10
